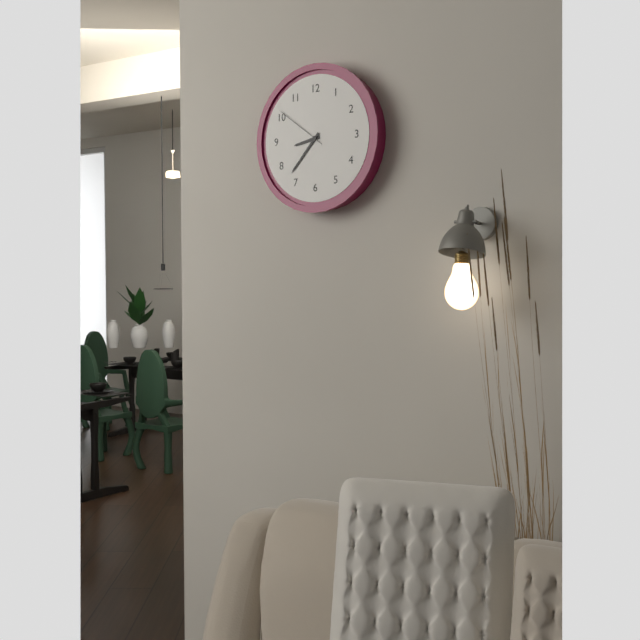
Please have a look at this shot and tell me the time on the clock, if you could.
8:37:51
